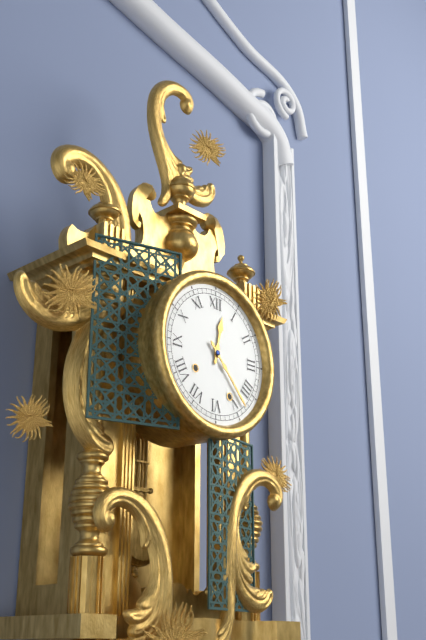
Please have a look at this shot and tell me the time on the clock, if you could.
12:23
